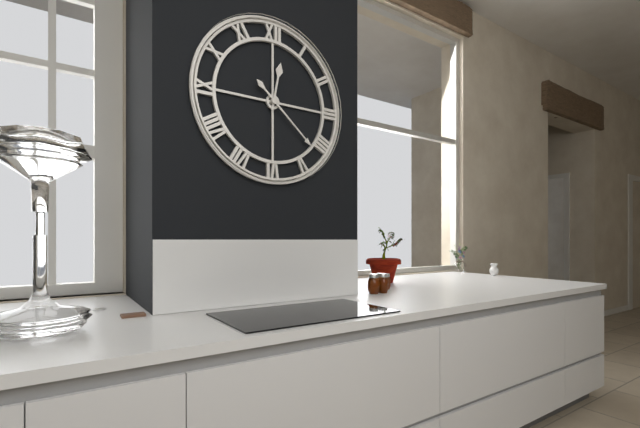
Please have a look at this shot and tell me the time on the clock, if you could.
12:22
